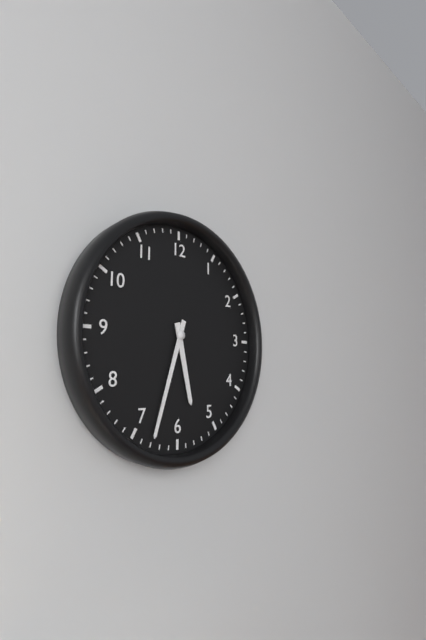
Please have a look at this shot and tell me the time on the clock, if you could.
5:33
